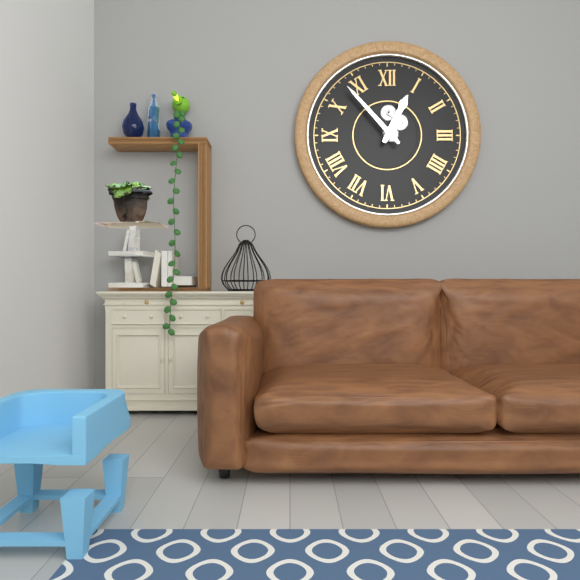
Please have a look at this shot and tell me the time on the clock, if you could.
12:53
